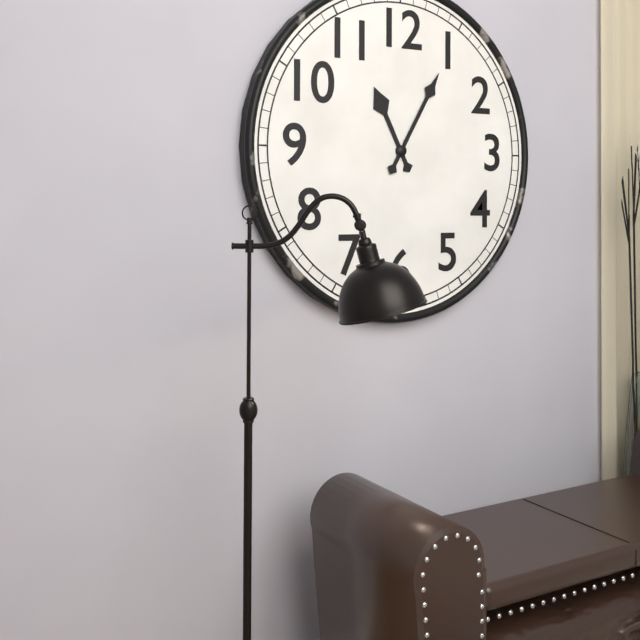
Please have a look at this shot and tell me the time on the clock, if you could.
11:05
